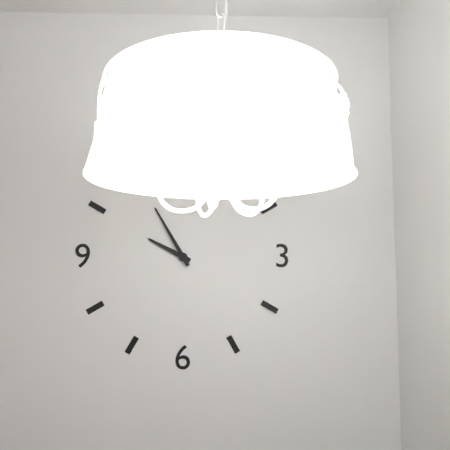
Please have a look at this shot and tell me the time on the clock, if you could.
9:55
